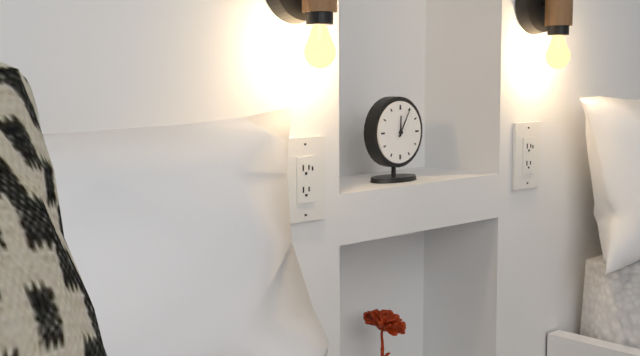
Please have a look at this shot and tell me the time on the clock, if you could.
12:05
